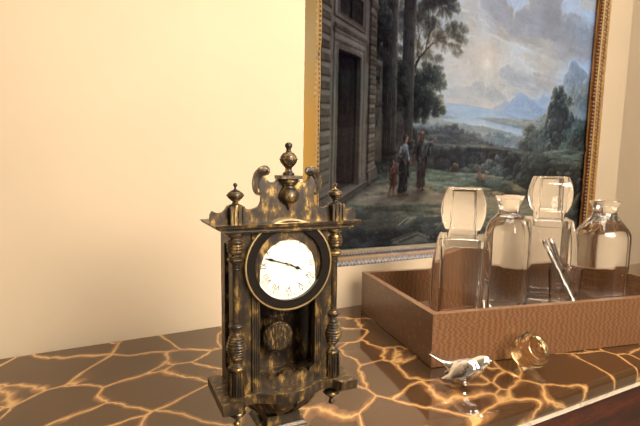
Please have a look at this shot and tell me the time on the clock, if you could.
3:48
